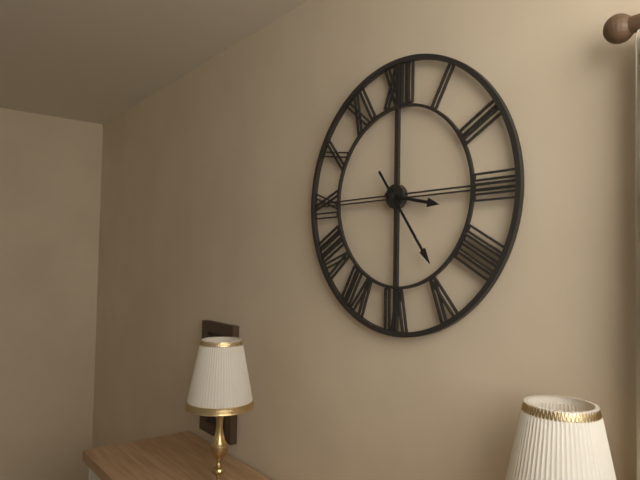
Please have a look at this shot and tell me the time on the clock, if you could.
3:24
